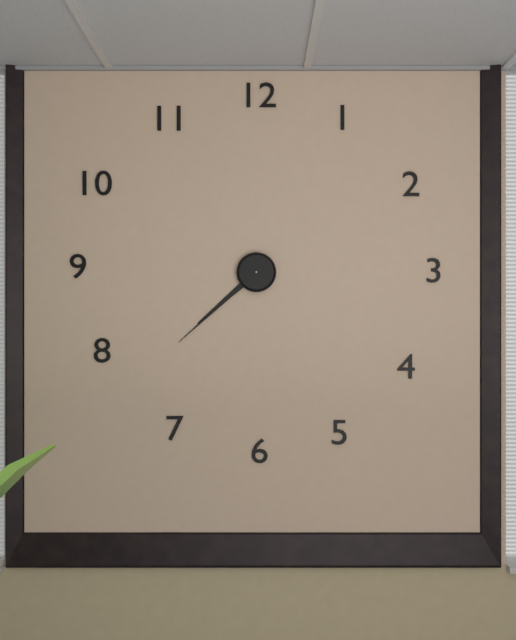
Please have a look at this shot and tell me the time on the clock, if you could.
7:38
